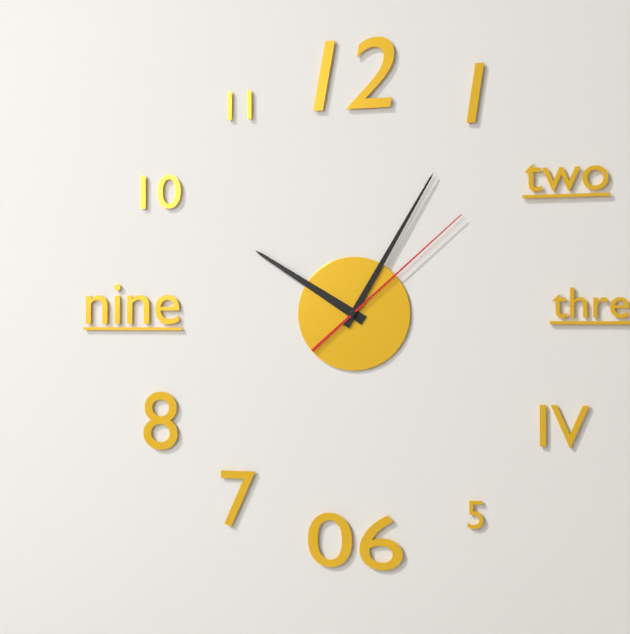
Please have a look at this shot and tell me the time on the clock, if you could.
10:05:08
